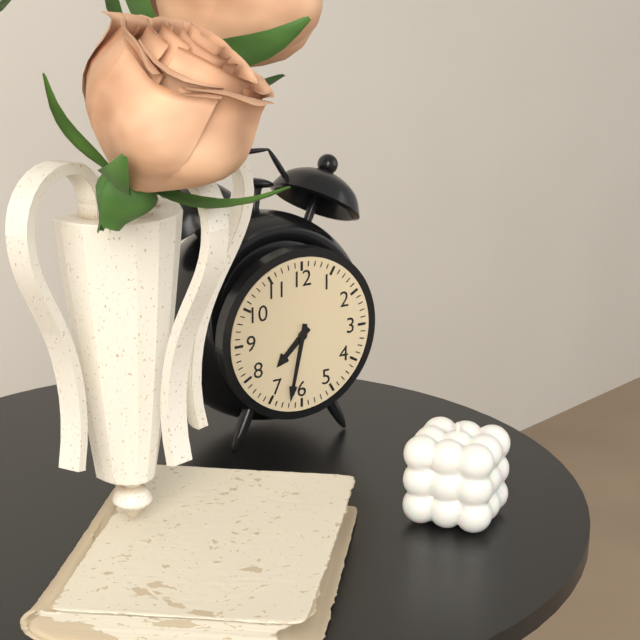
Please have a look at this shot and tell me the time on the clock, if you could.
7:32
